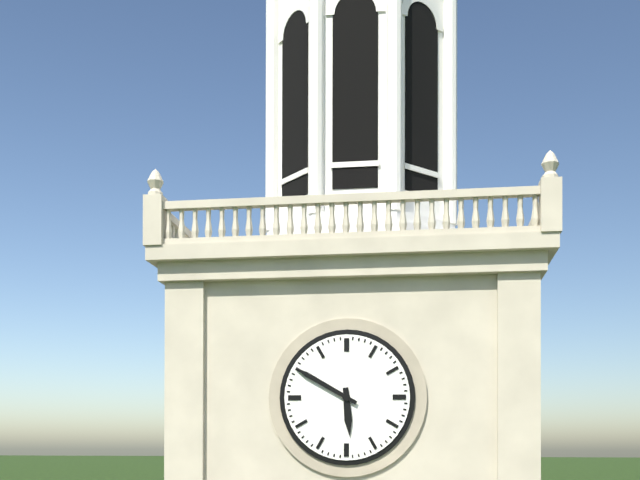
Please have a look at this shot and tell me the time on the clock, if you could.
5:50
